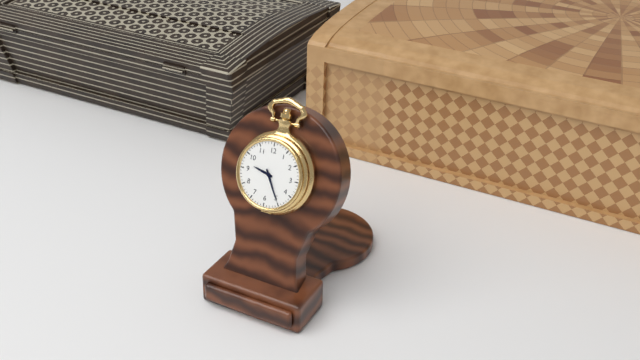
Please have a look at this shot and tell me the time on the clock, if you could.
9:25
